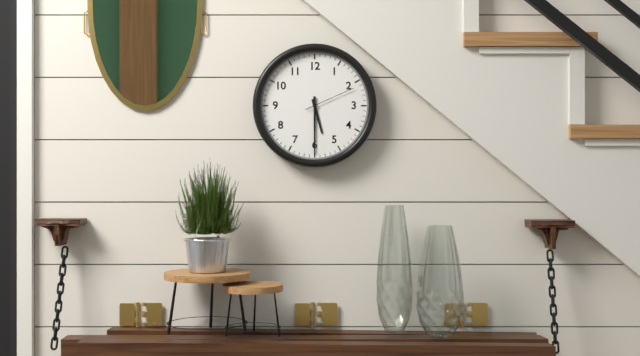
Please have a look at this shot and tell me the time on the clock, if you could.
5:30:11
